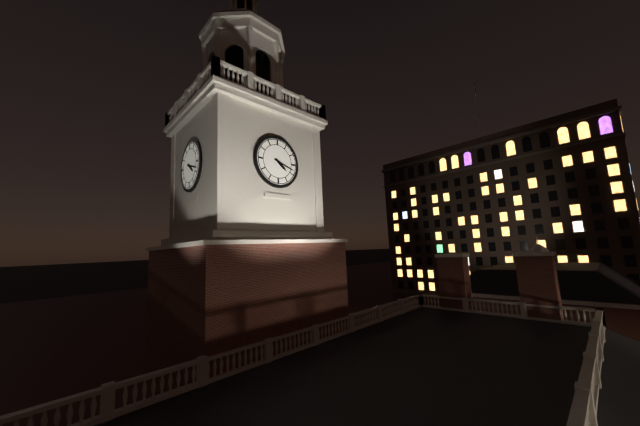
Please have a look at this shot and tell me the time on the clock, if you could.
4:18
